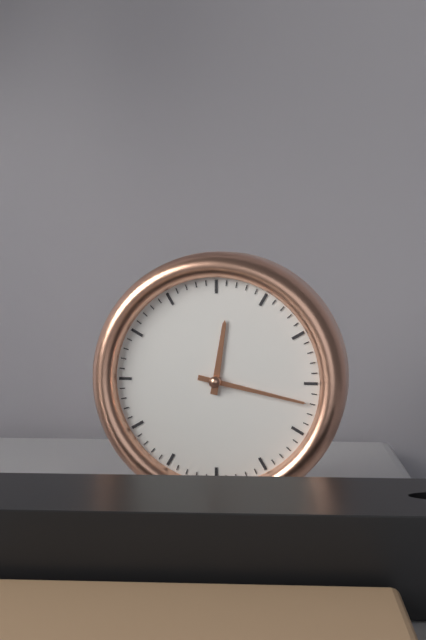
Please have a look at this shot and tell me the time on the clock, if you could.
12:17
